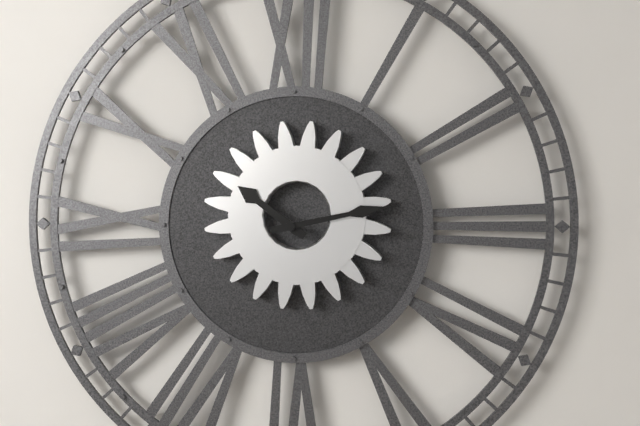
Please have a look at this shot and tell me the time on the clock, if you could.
10:13
